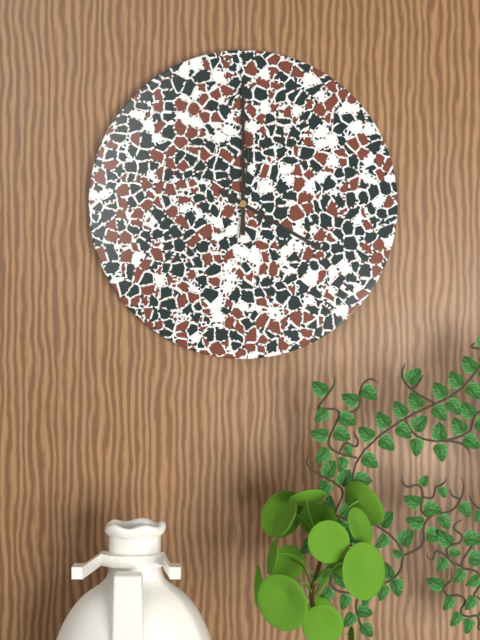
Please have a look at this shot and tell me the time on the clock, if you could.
4:00:01
